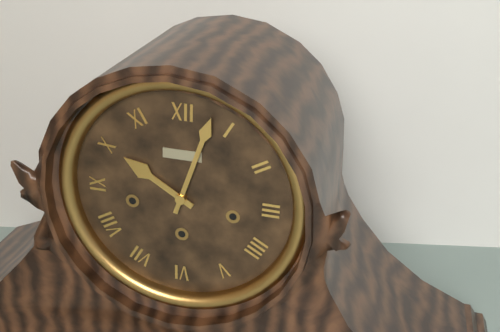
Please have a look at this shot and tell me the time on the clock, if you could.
10:03
